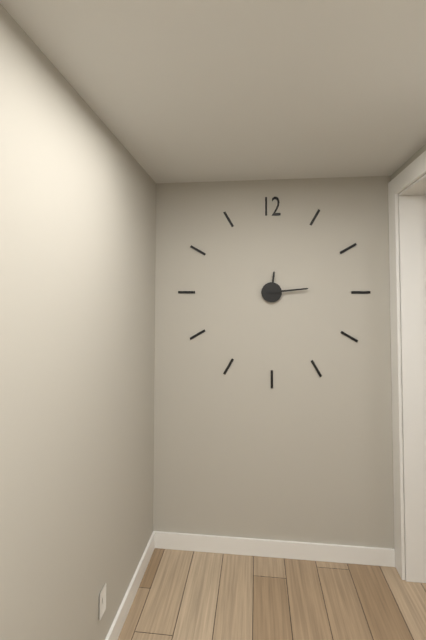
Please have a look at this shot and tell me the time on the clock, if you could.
12:14
